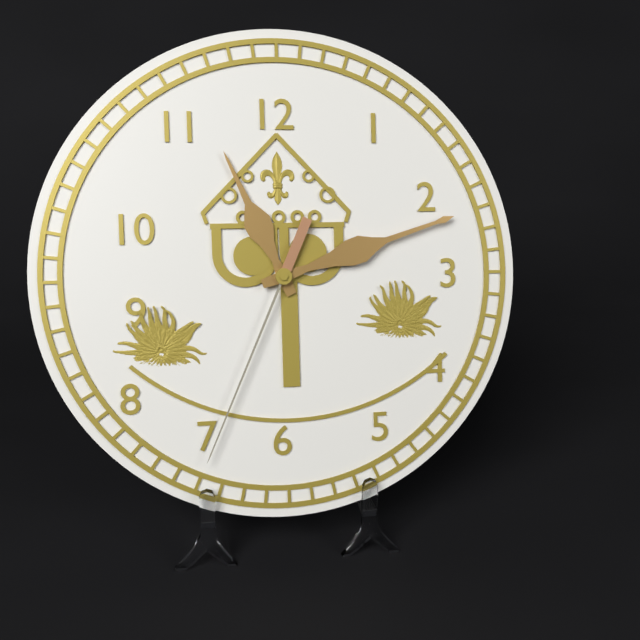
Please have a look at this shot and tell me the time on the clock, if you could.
11:12:34
